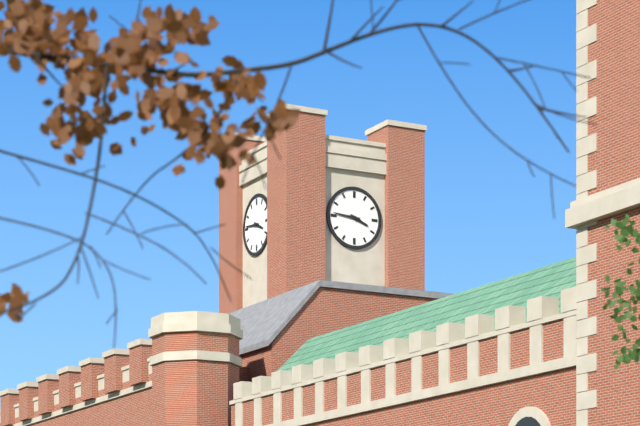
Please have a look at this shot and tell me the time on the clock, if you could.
3:46
